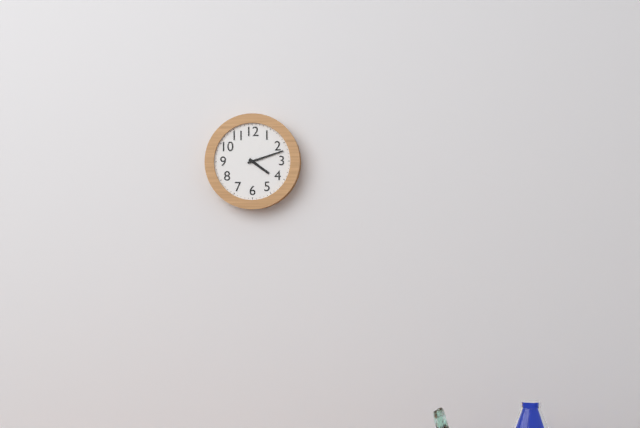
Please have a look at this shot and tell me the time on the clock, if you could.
4:12
